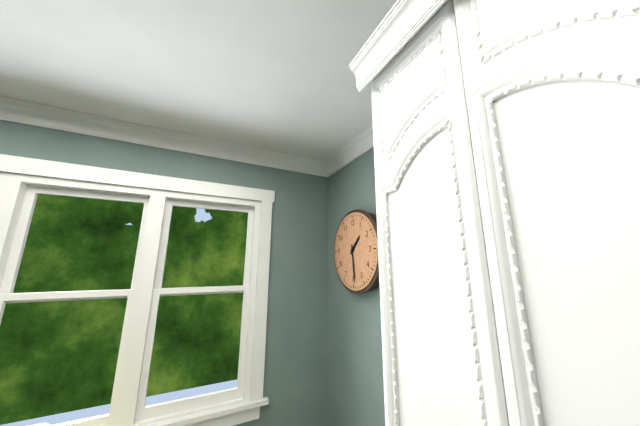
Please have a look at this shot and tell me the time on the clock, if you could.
1:29
